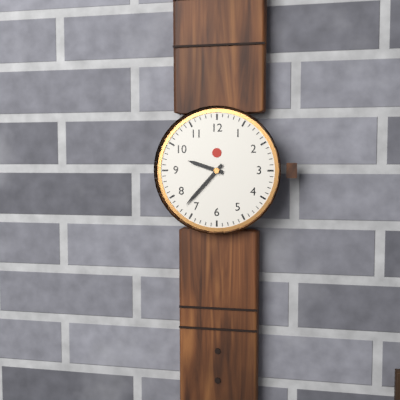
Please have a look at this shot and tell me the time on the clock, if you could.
9:37
